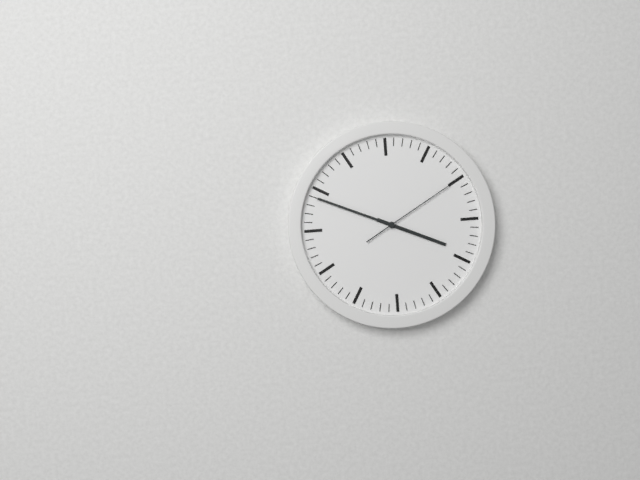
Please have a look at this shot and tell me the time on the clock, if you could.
3:49:10
